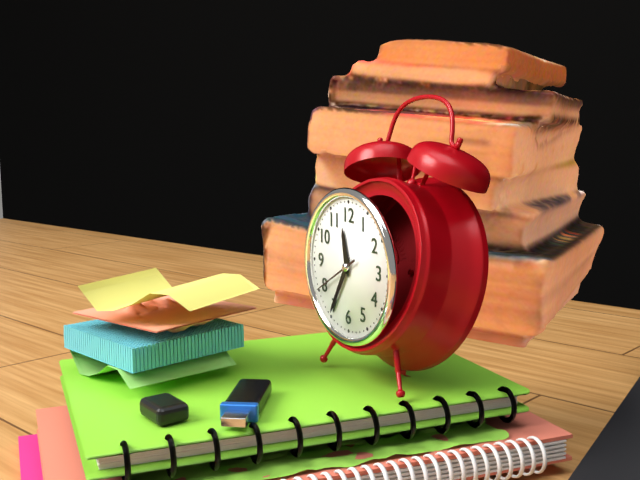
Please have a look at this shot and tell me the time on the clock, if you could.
11:35
